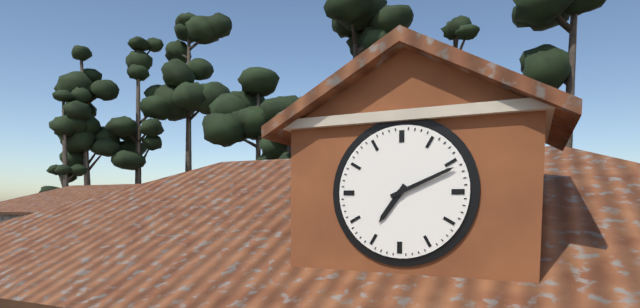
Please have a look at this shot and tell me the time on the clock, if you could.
7:11
